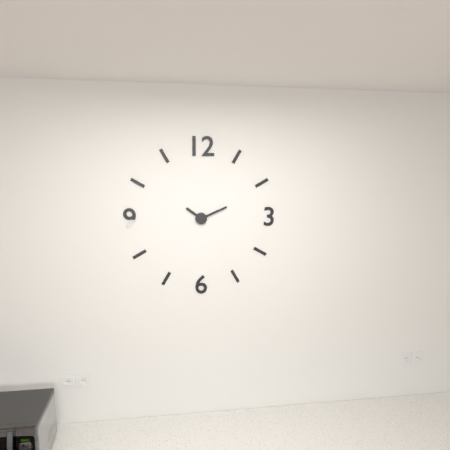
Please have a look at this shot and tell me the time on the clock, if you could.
10:11
